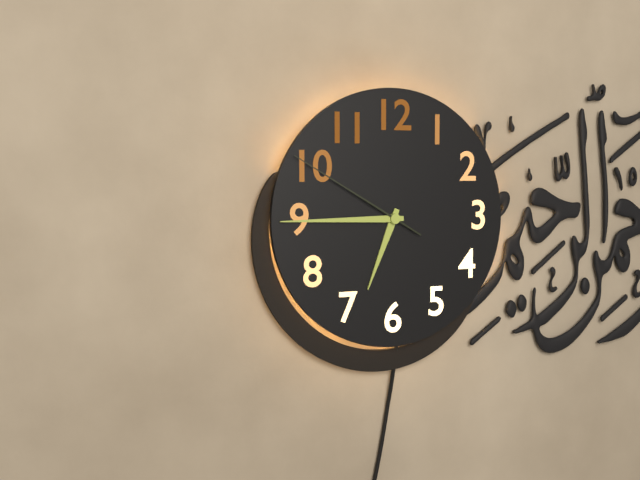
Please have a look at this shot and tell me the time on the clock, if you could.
6:45:50
